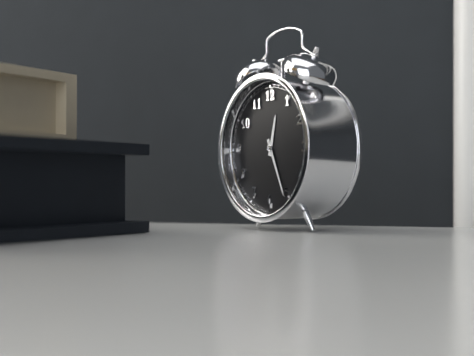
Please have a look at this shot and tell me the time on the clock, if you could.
12:26
